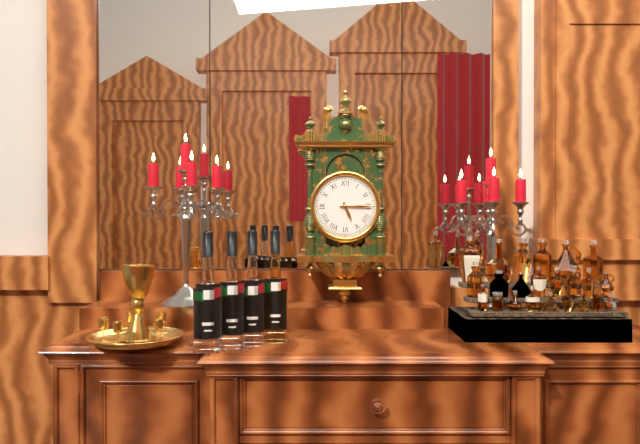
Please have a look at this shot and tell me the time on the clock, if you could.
5:15
